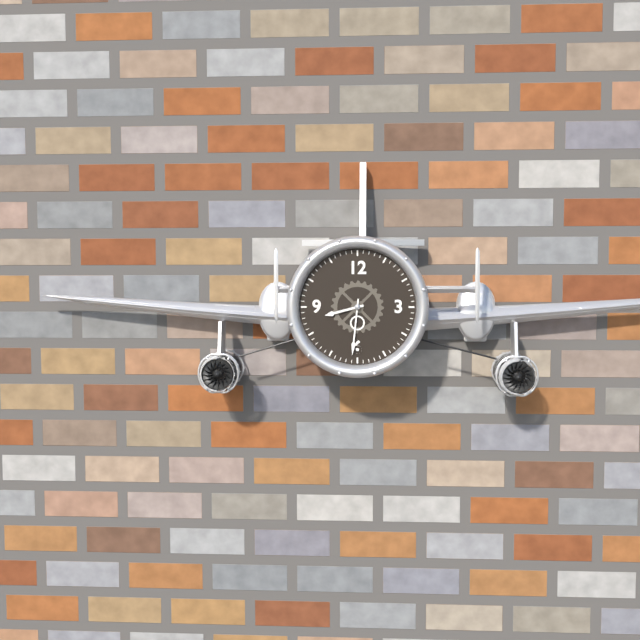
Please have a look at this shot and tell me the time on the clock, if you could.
8:31
